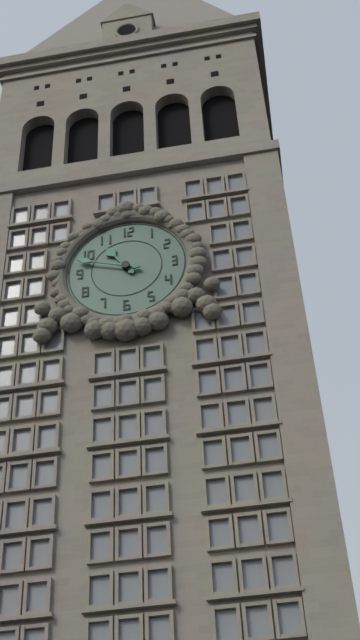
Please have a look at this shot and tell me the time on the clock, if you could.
10:48
